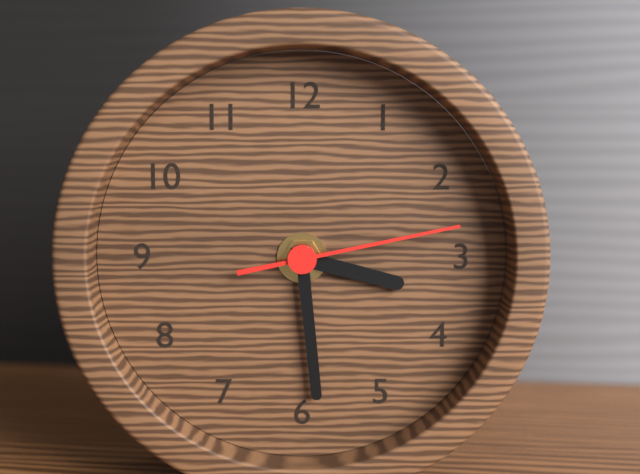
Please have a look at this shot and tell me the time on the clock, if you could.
3:29:13
